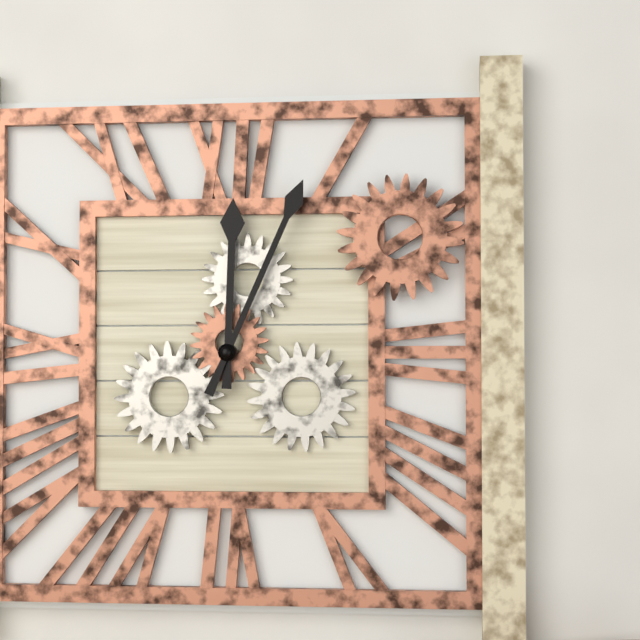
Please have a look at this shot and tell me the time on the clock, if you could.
12:04
